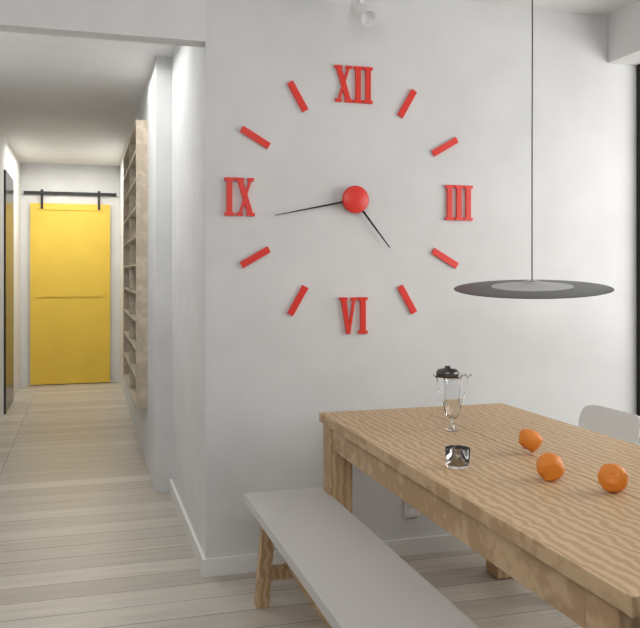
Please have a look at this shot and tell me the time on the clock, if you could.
4:43
